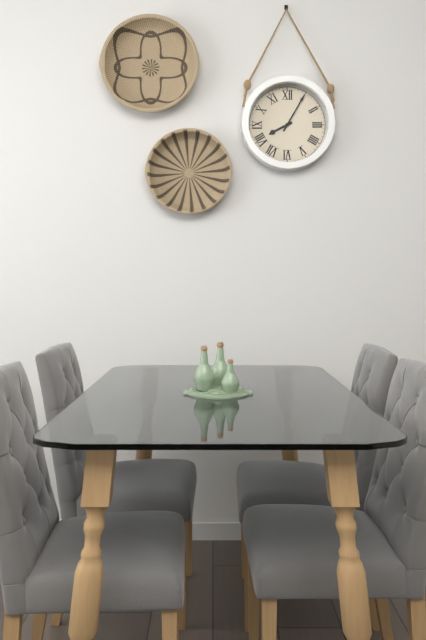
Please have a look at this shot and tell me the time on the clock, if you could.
8:05
